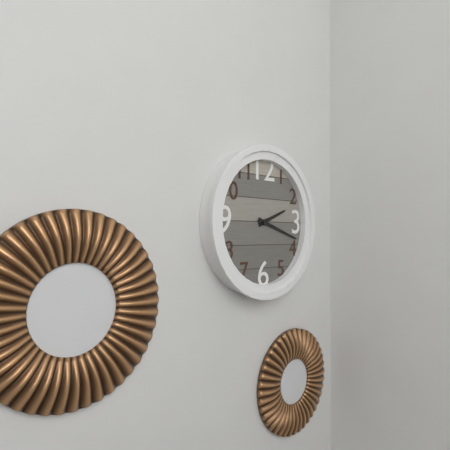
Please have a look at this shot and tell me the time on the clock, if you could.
2:18
